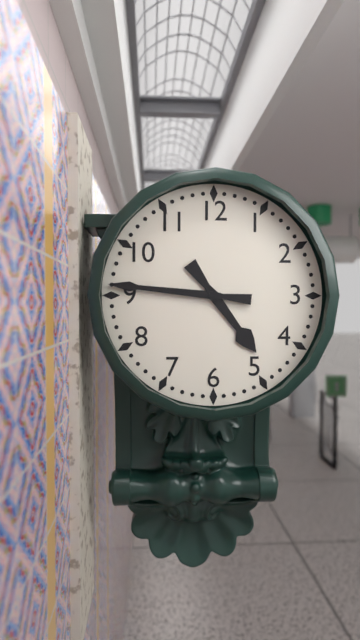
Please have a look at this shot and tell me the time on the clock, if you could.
4:46
